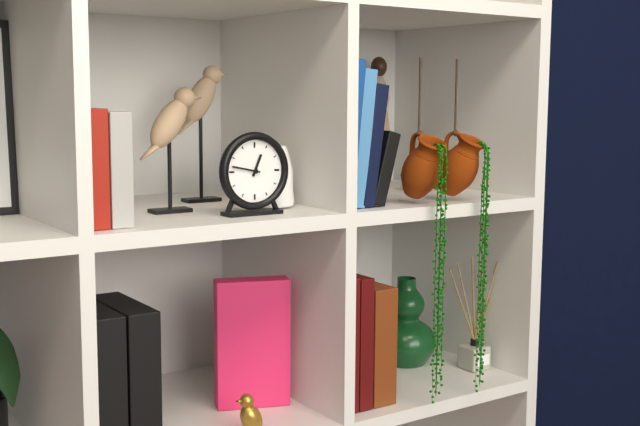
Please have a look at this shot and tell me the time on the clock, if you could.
12:47
